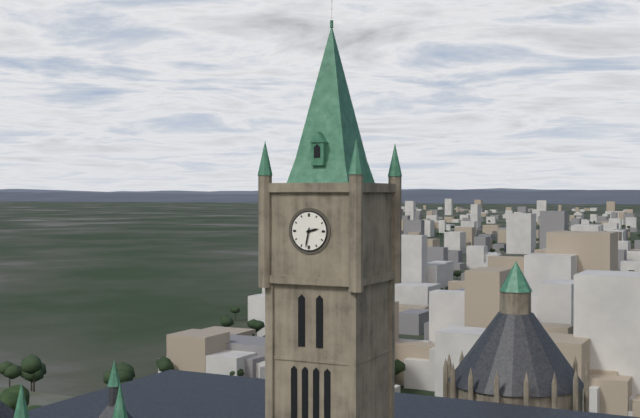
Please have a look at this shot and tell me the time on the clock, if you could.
2:32
